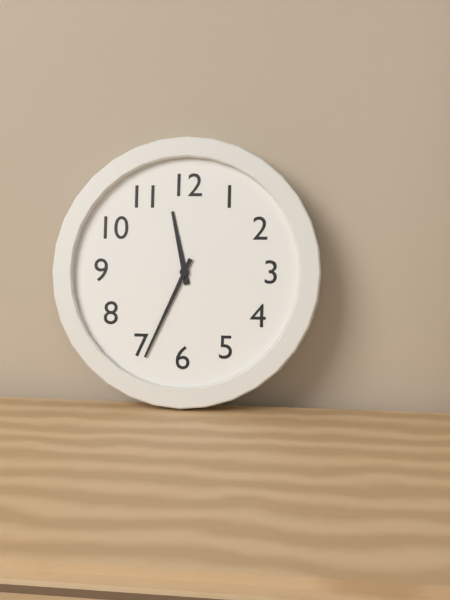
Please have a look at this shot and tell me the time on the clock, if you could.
11:34
